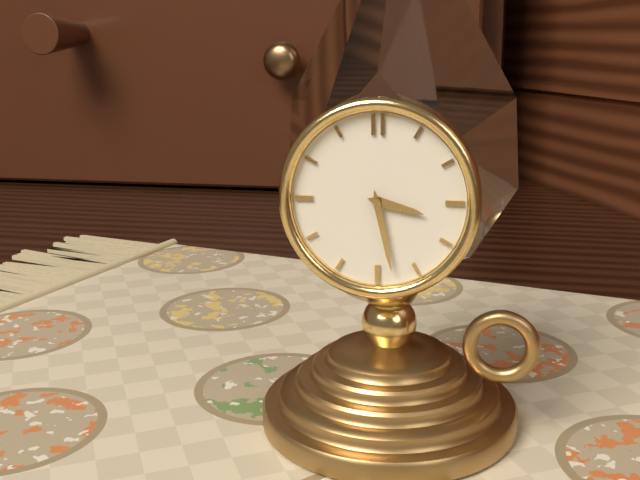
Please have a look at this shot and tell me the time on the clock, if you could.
3:28
